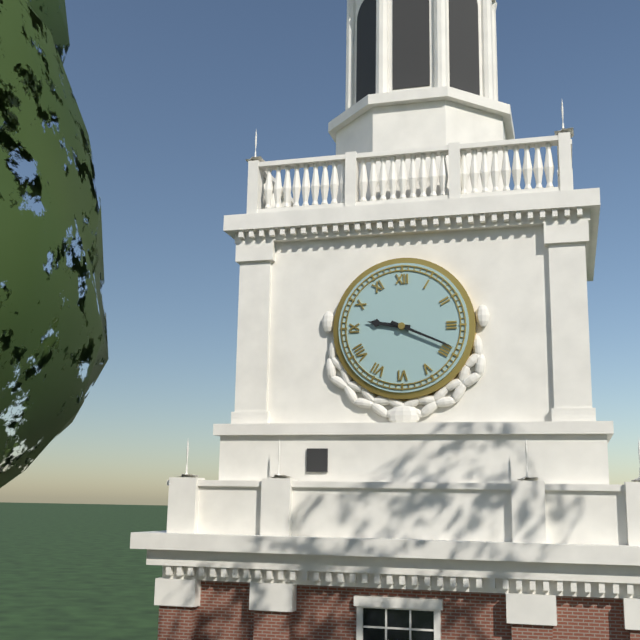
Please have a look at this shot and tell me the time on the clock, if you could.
9:19
